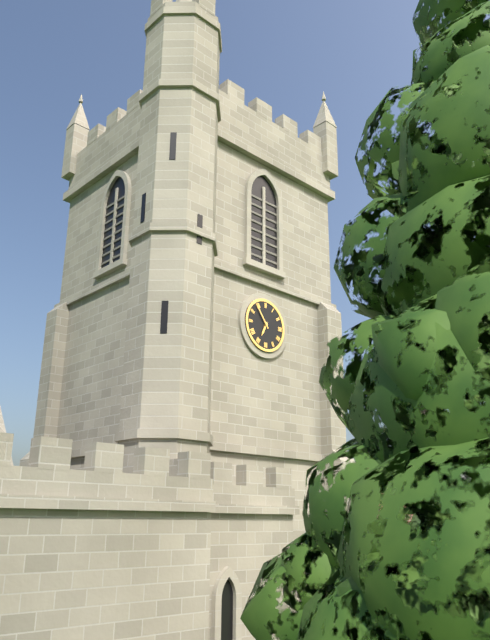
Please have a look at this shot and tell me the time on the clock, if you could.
6:54
